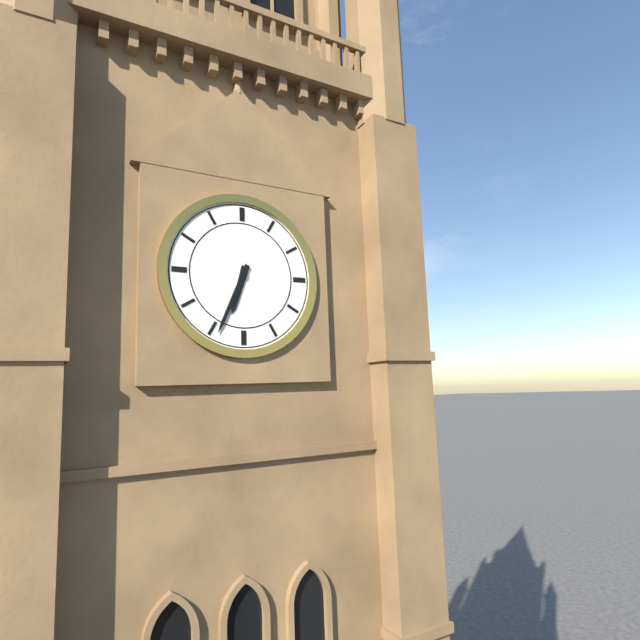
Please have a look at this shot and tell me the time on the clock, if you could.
6:34
